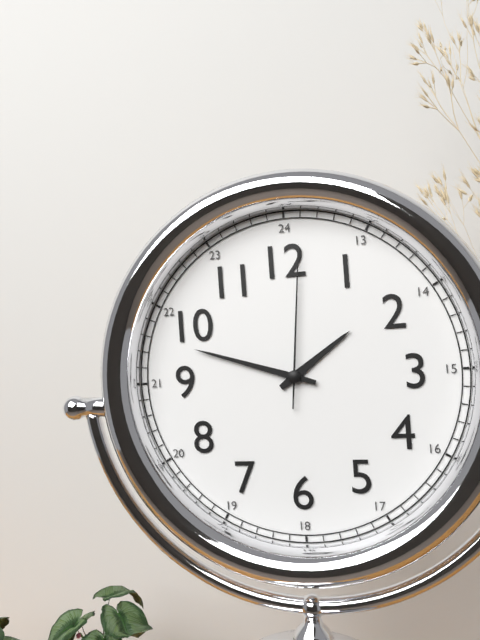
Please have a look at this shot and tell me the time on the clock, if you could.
1:48:01
